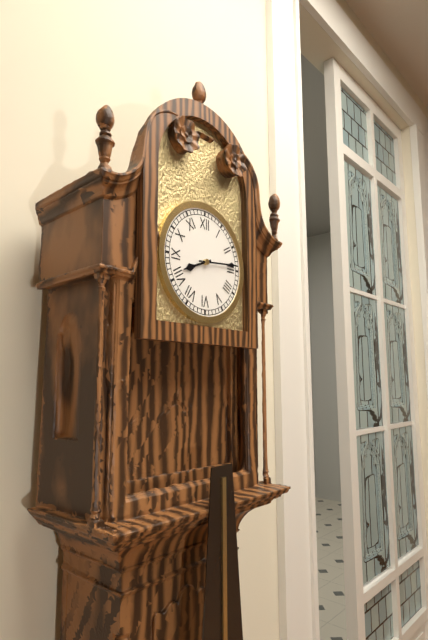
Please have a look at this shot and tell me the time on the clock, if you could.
8:14
